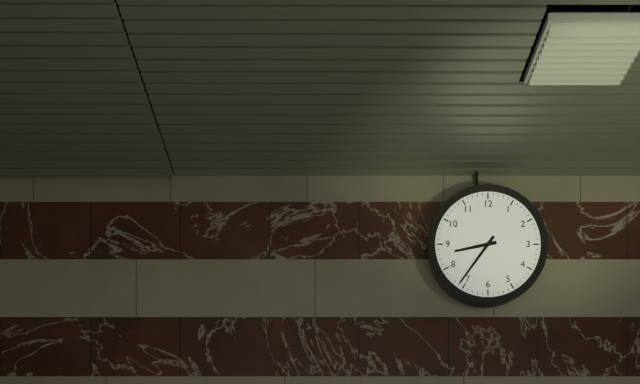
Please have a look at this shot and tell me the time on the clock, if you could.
8:36
